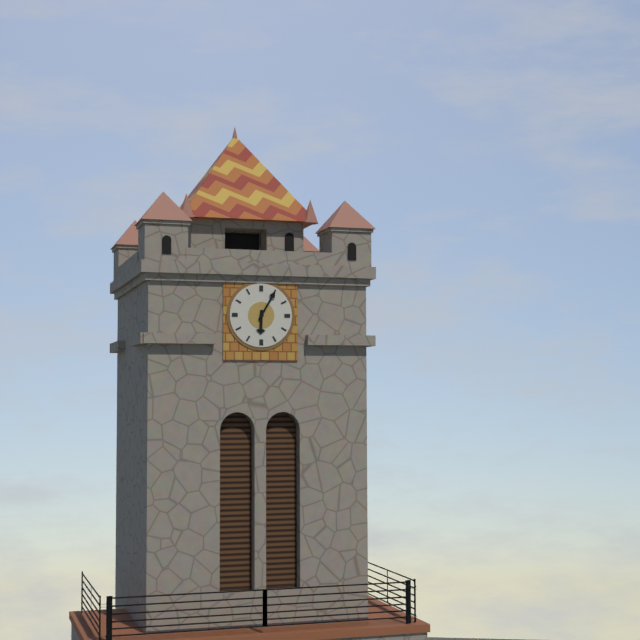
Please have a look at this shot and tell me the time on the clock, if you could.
6:05
